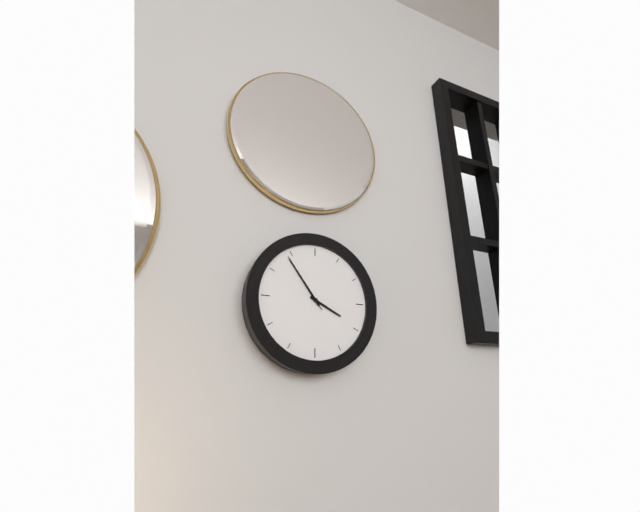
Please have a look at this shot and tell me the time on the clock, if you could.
3:54:54
